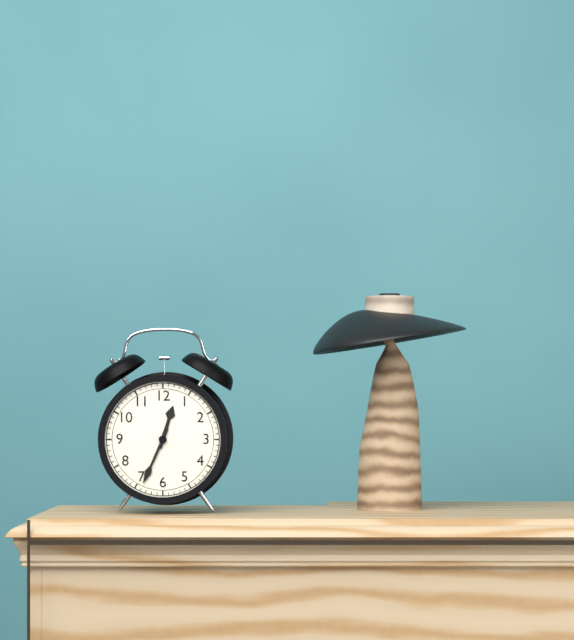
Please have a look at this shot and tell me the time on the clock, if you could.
12:34
